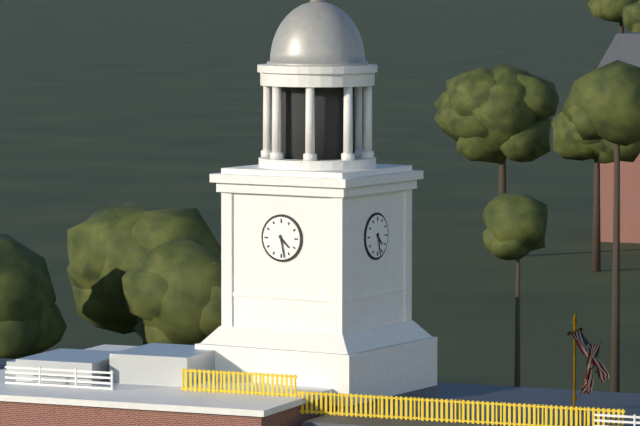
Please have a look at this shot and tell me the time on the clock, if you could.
4:28
